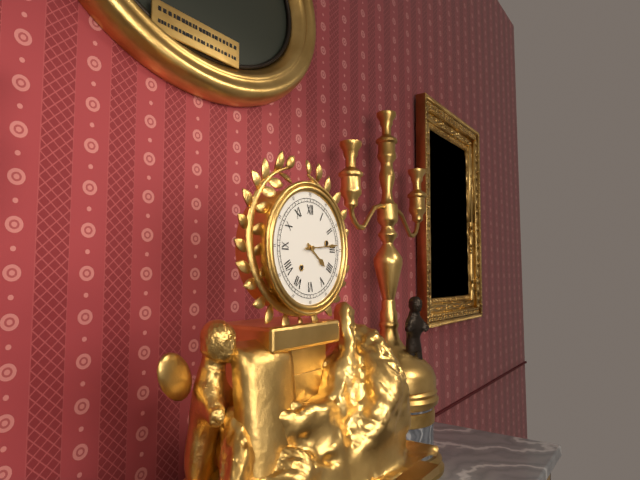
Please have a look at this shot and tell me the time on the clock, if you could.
4:14
